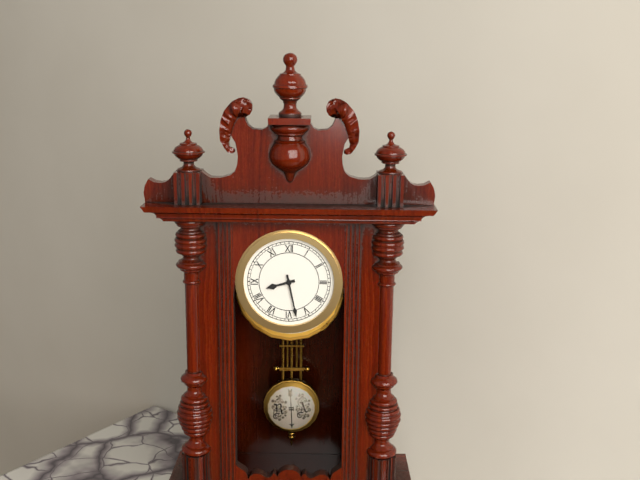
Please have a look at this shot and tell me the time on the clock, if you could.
8:28
